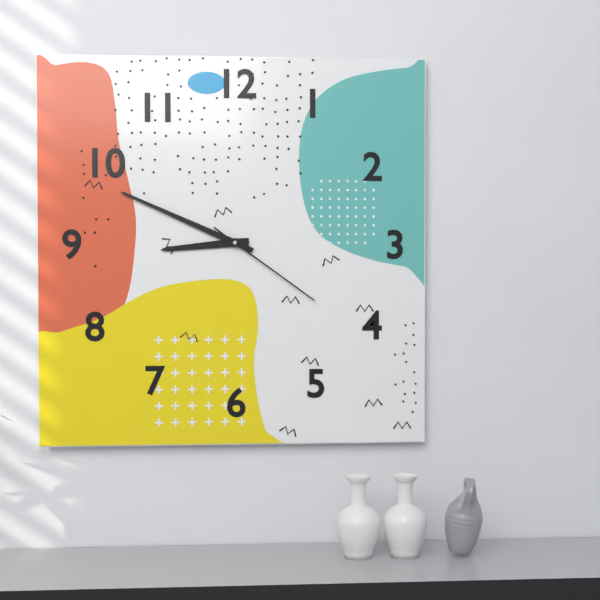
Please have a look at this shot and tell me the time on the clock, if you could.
8:49:21
